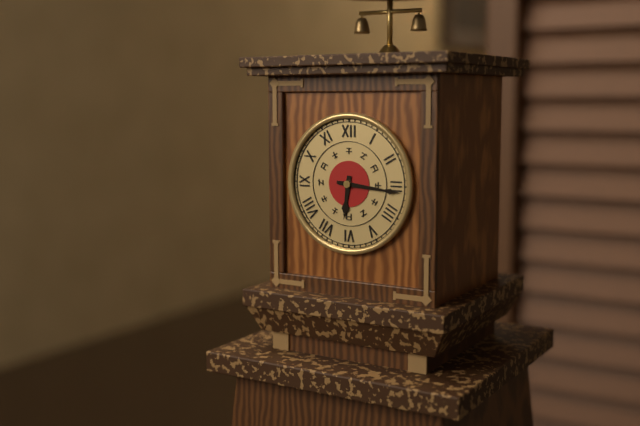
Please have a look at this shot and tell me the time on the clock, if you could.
6:16
